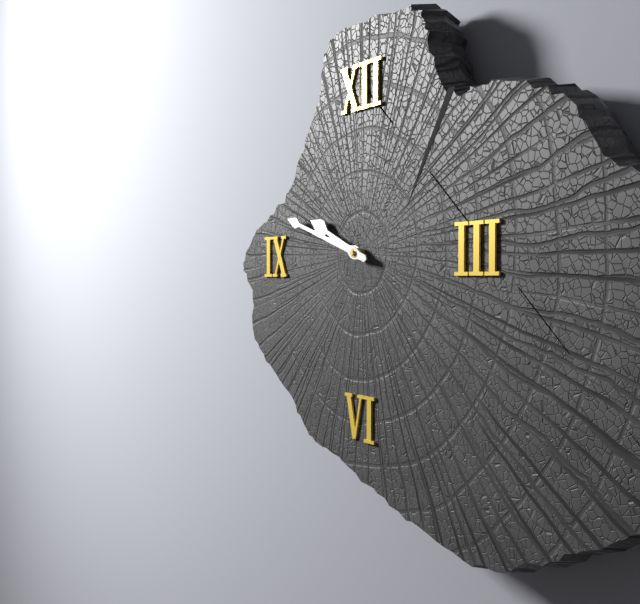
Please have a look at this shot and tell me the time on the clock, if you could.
9:48
